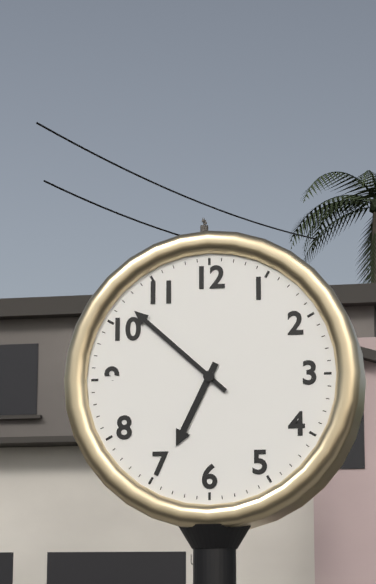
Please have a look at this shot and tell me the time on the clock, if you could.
6:52
